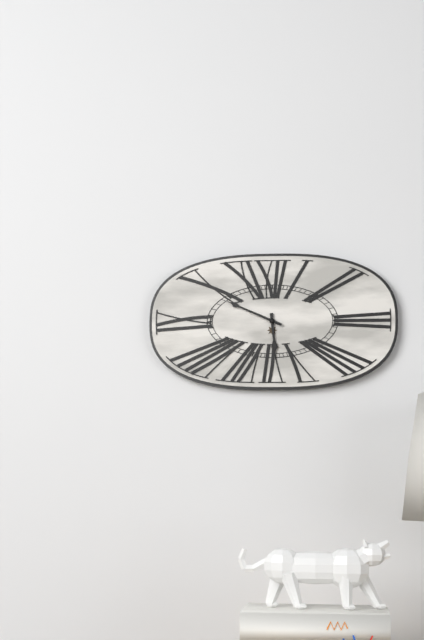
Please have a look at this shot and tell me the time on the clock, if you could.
5:49
